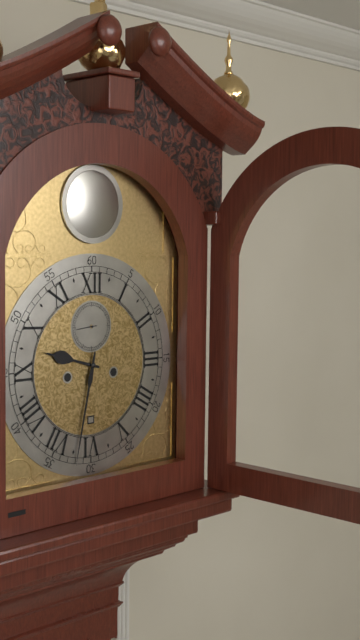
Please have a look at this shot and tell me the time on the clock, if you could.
9:32
